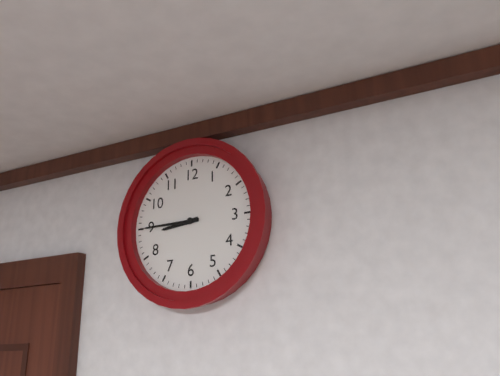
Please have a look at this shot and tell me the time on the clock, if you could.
8:45
